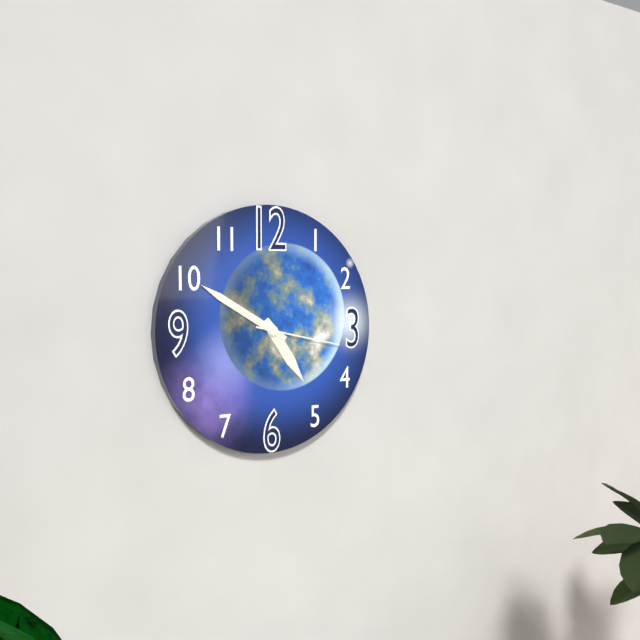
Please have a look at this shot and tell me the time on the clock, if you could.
4:50:17
